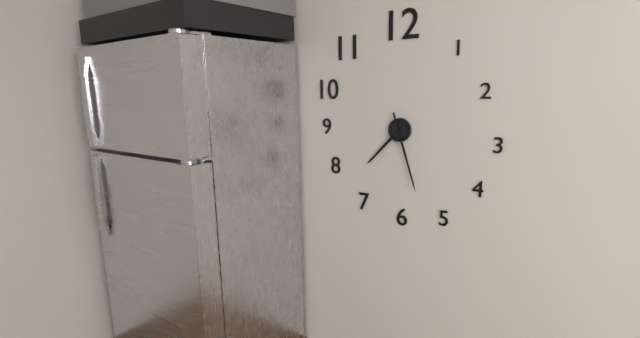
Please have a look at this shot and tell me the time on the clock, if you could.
7:27
